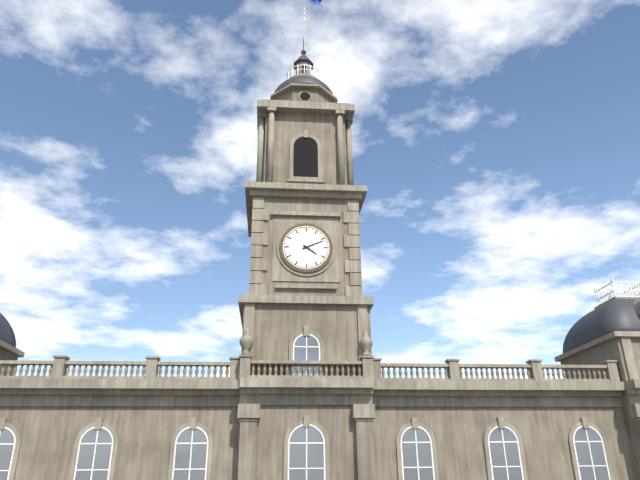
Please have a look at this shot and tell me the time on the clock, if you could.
4:11
